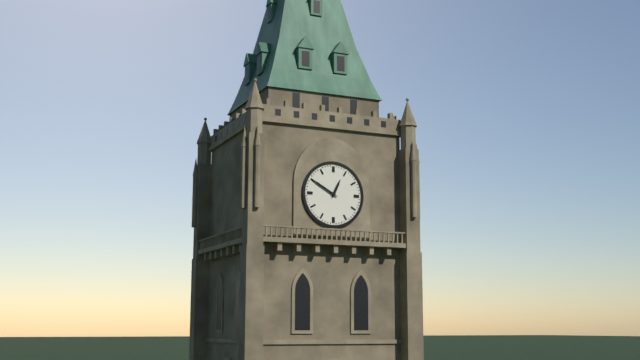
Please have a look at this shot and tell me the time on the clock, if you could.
12:50
